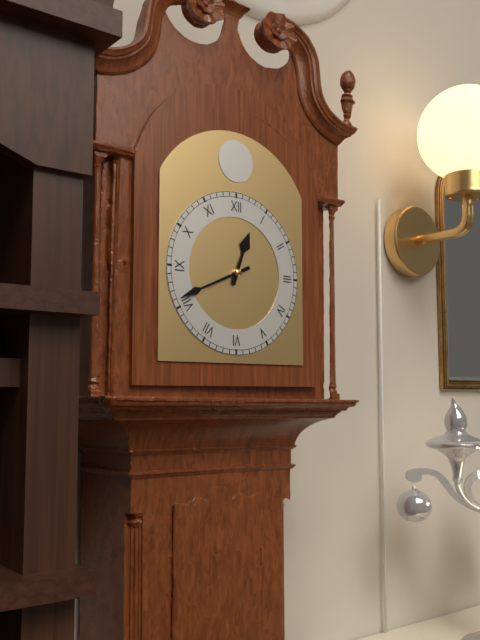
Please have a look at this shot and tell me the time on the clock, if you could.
12:41
